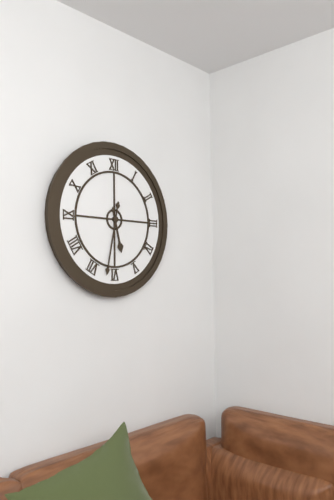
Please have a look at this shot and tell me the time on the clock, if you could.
5:32
